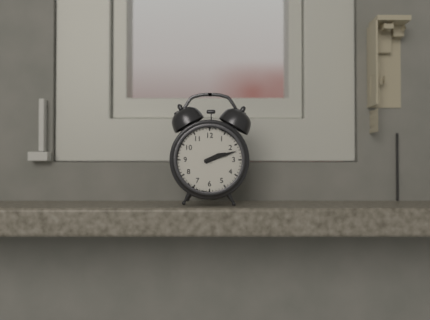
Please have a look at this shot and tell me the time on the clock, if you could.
2:12
